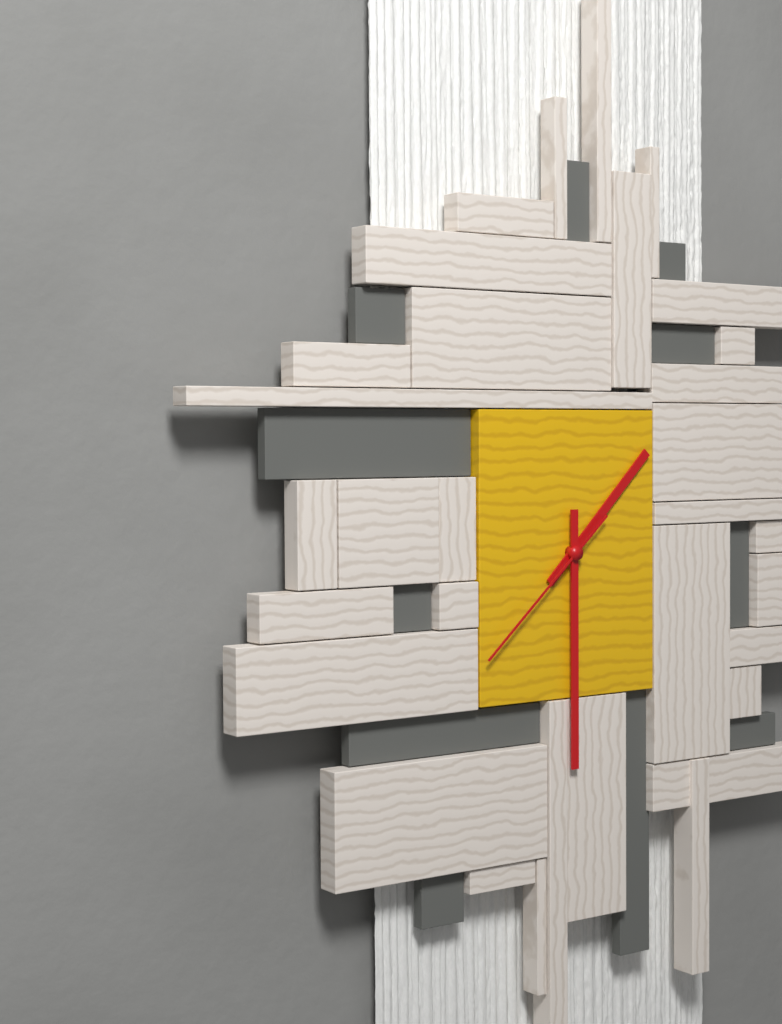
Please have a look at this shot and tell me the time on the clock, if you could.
1:30:38
